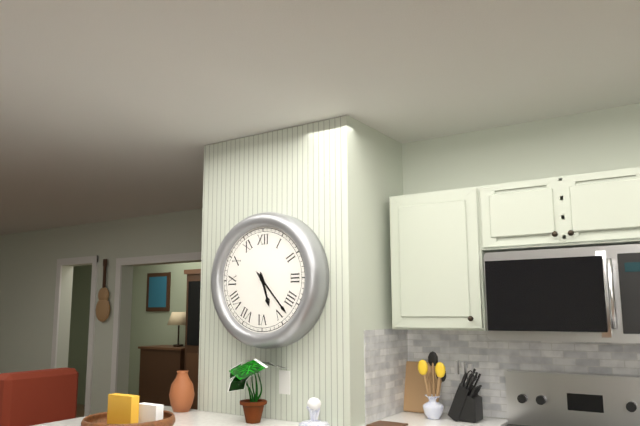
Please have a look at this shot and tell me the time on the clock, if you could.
5:23
